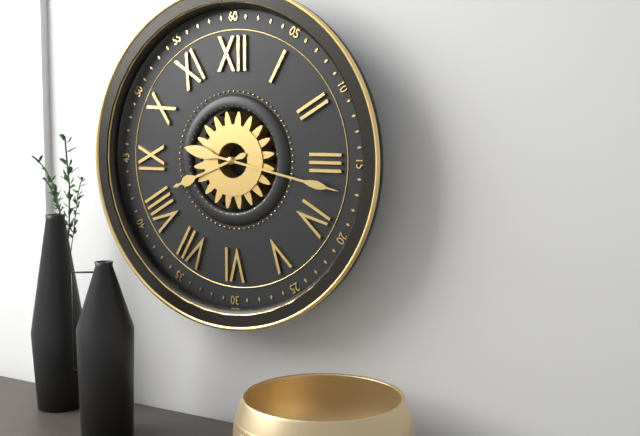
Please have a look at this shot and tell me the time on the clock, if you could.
8:17
